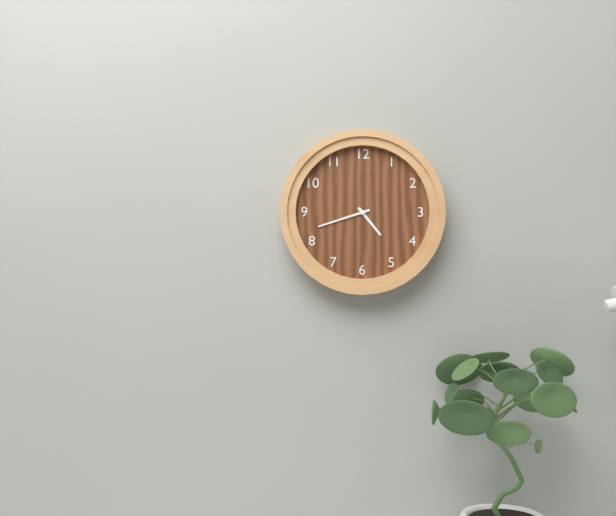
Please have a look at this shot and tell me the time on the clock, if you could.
4:42
